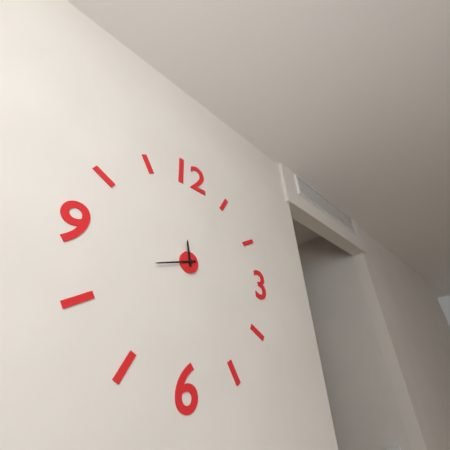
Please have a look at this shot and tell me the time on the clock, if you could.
11:42
